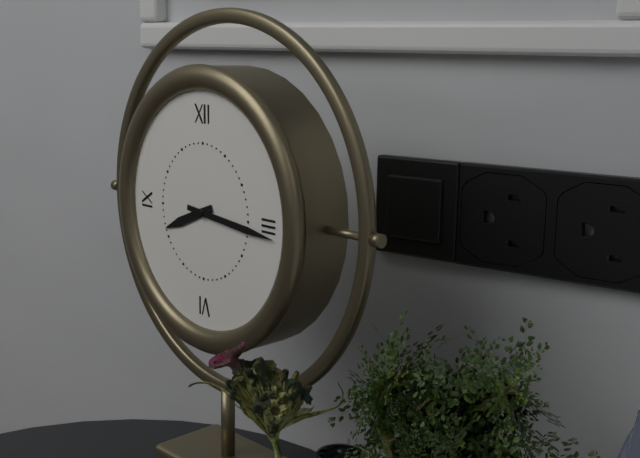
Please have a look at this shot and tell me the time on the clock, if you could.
8:16
